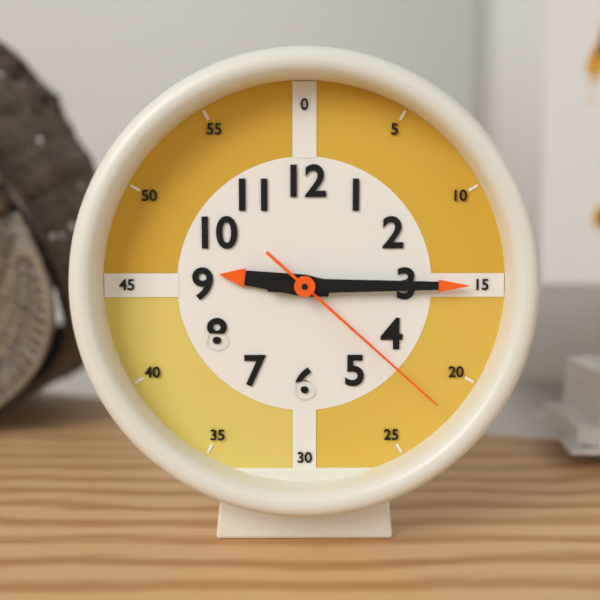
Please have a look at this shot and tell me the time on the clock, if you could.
9:15:22
